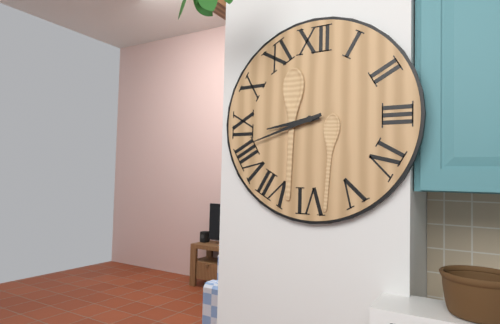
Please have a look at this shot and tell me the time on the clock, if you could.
8:42
